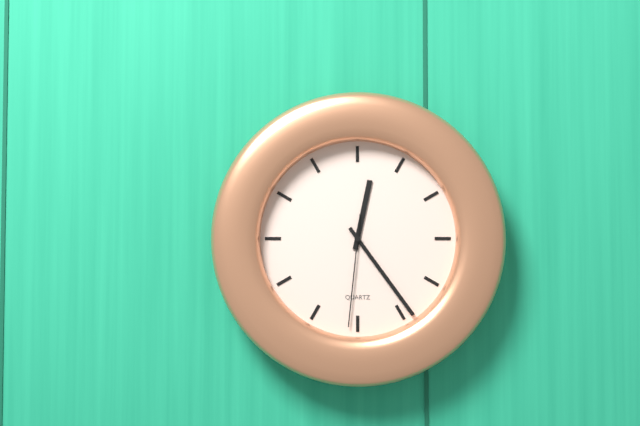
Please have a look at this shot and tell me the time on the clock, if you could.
12:24:31
